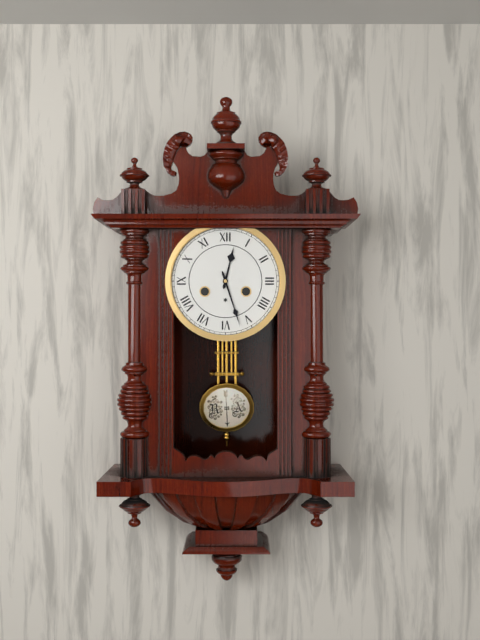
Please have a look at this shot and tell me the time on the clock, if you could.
12:27
